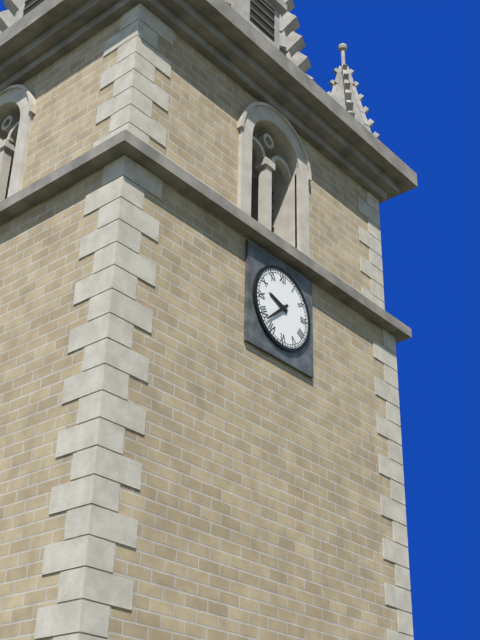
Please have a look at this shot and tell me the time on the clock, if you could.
9:38
